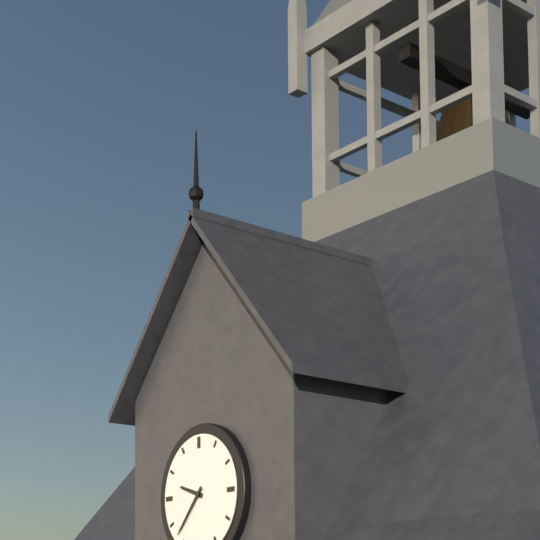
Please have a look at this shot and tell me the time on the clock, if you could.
9:37
